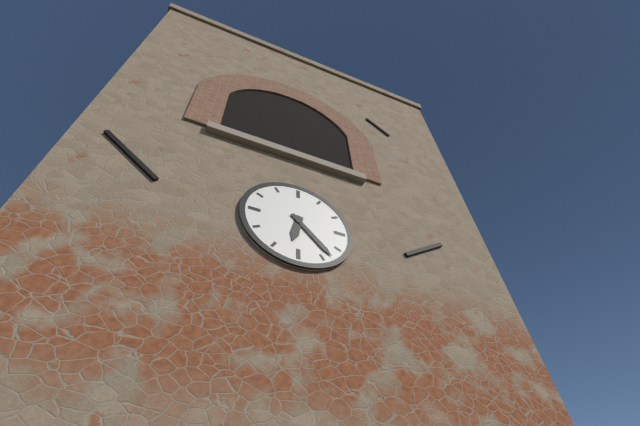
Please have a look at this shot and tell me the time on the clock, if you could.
6:23
